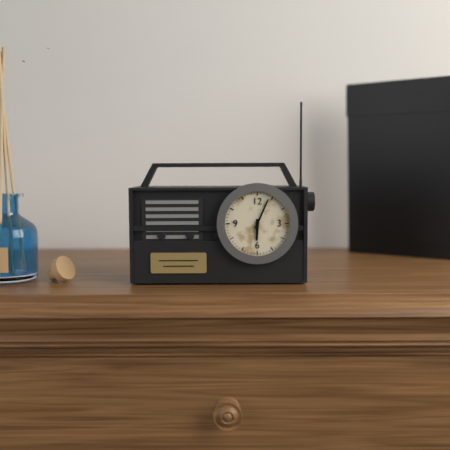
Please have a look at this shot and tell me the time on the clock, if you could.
6:04
